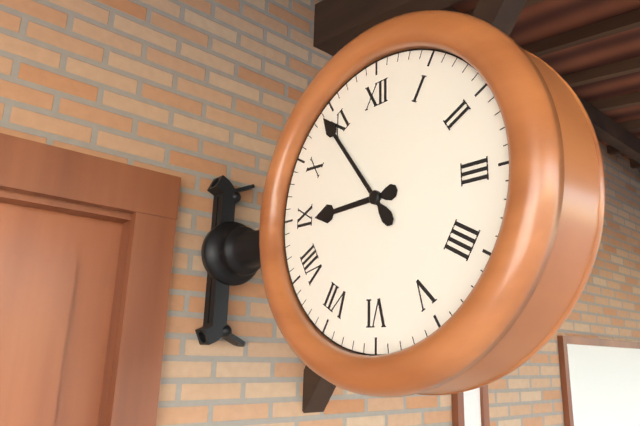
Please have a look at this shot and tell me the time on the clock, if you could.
8:54
